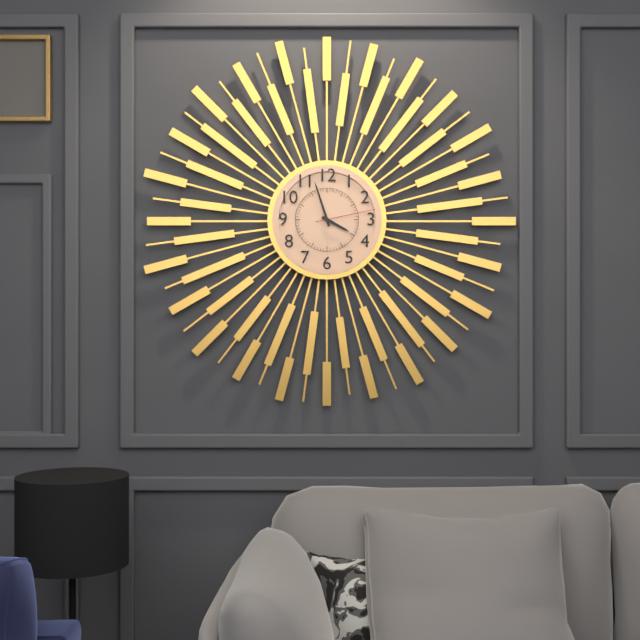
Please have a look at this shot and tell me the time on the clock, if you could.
3:57:13
